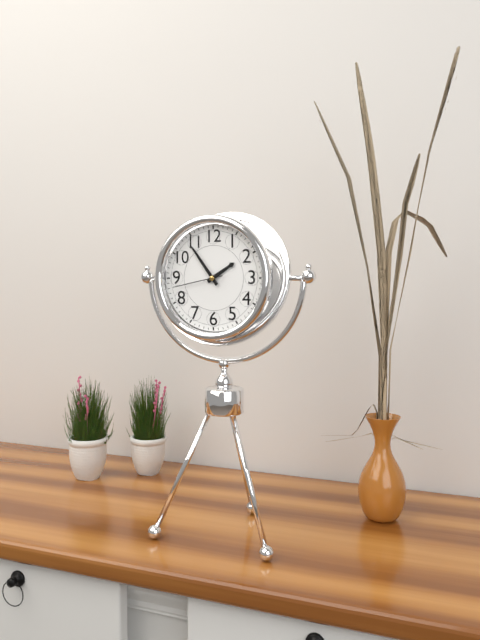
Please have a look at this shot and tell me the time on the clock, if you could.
1:54:43
